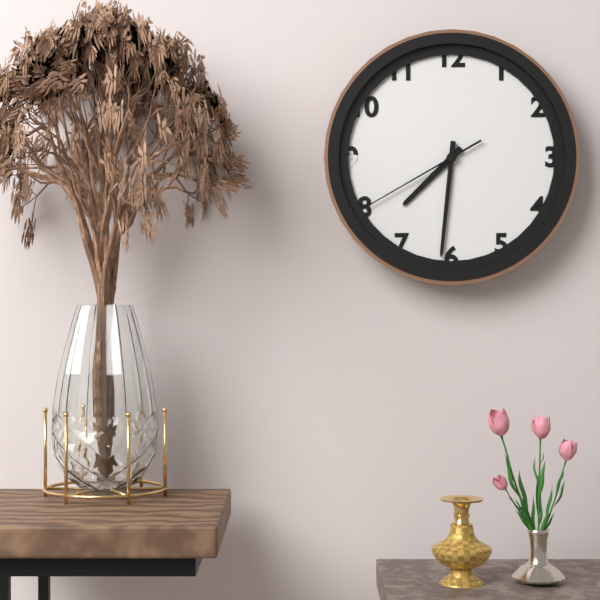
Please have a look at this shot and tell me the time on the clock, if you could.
7:31:40
